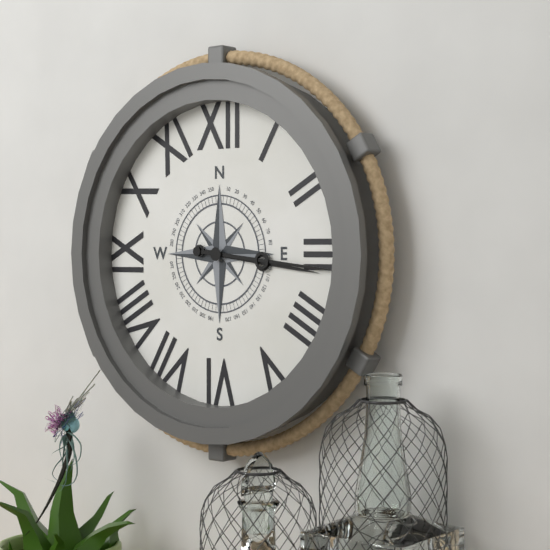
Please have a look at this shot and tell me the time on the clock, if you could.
3:16
